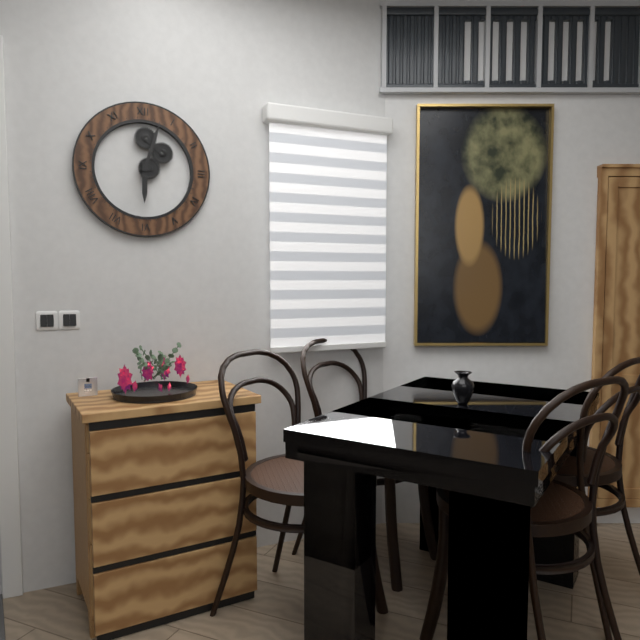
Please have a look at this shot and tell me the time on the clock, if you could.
6:03
